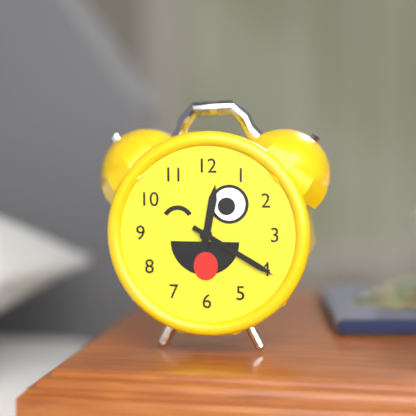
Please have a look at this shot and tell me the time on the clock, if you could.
12:20
